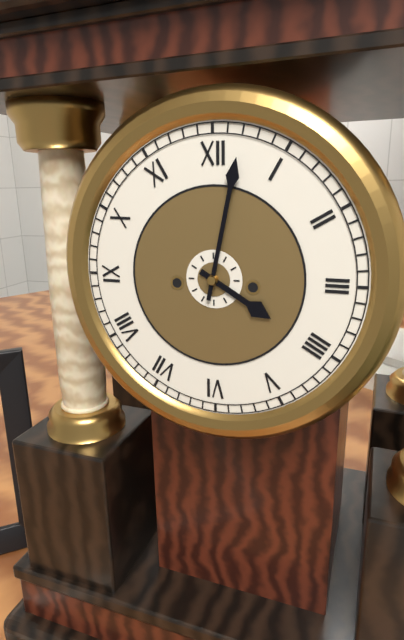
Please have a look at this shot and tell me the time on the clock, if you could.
4:02
